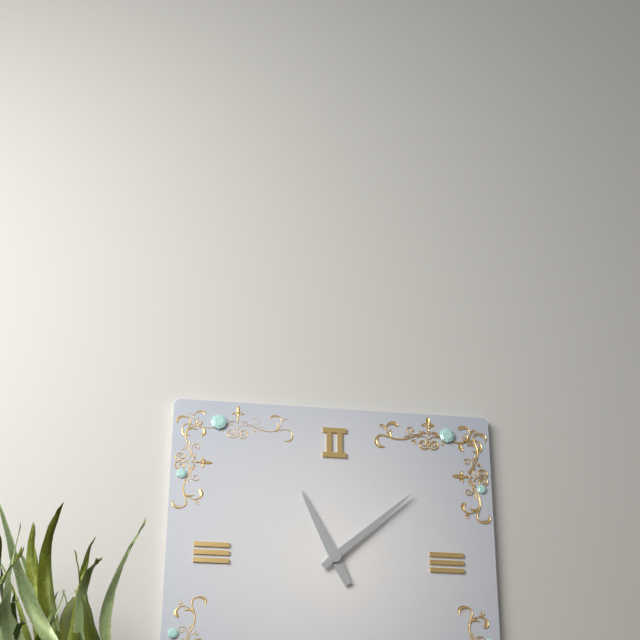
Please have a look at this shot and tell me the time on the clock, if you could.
11:08
